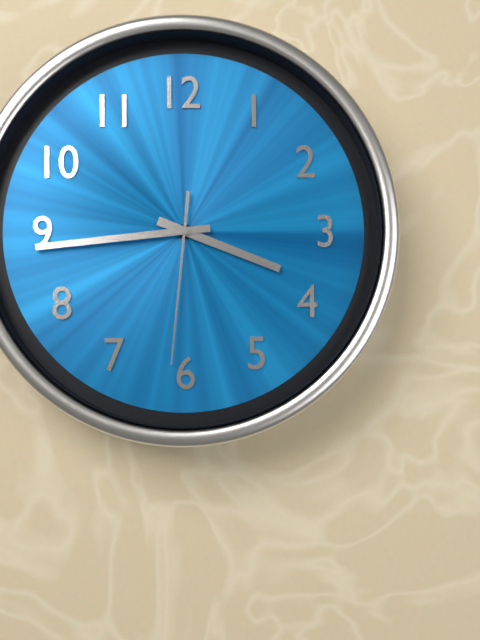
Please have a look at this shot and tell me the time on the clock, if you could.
3:44:31
